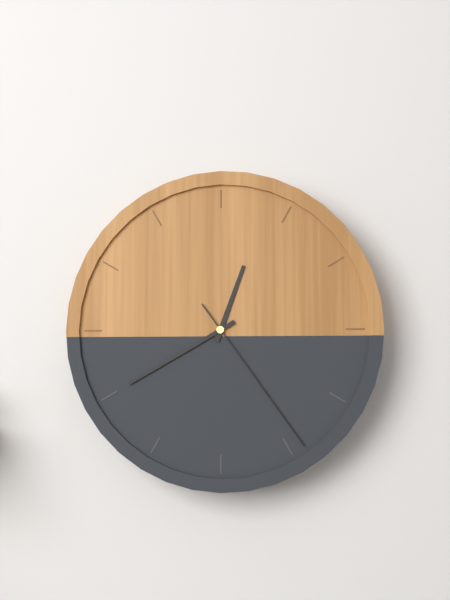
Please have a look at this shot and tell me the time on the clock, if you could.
12:40:24
